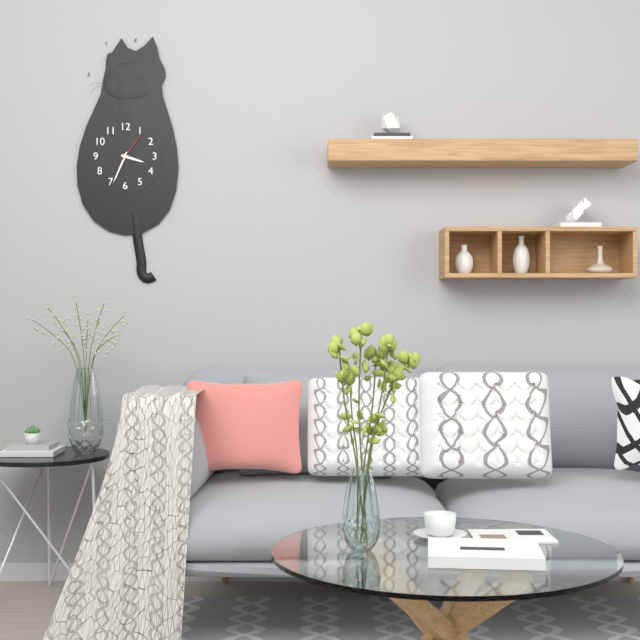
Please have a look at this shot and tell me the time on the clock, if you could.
3:34
